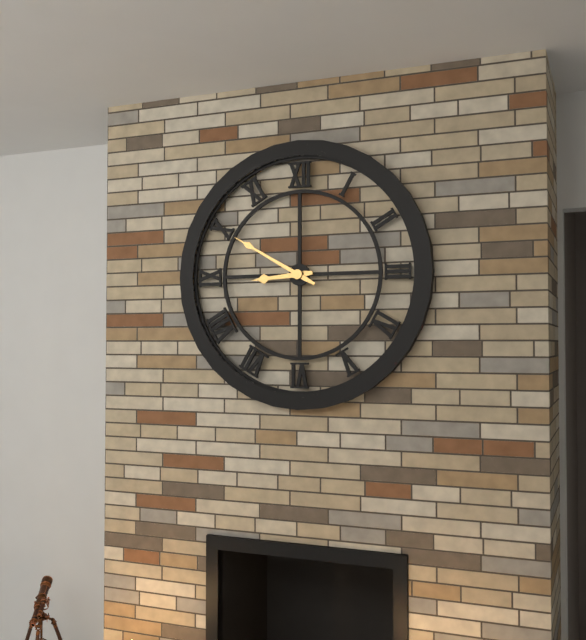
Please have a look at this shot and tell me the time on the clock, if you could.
8:50
